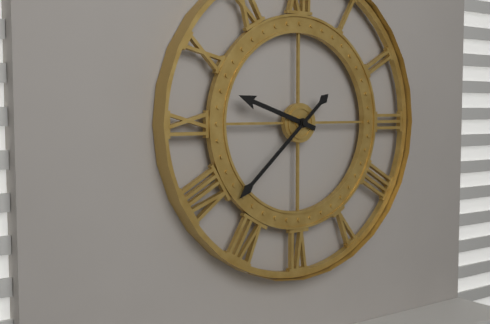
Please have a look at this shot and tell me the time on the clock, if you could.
9:38
